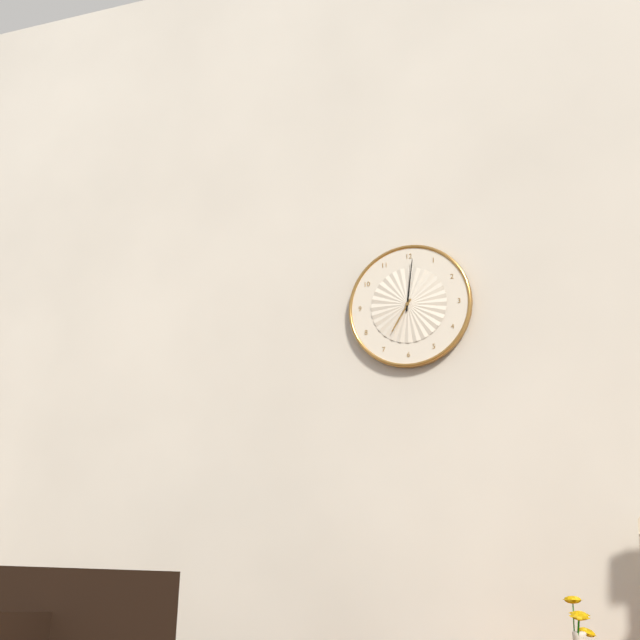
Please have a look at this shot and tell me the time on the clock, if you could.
7:01
